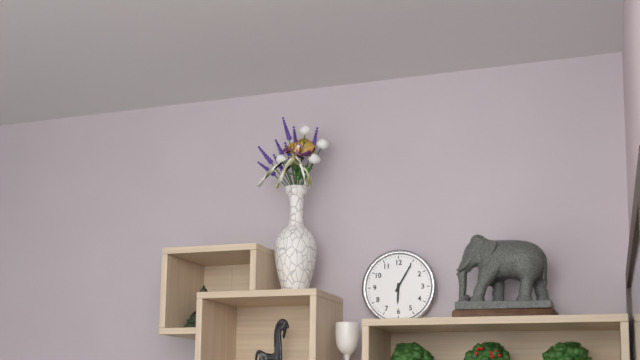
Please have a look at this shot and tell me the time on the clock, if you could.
6:05
